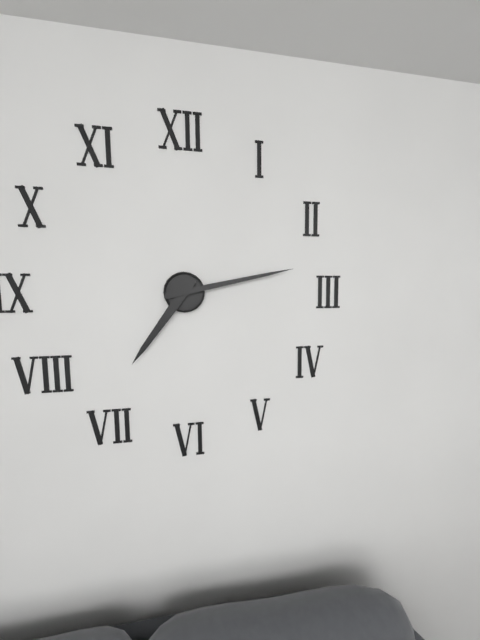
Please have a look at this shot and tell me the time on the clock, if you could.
7:13
